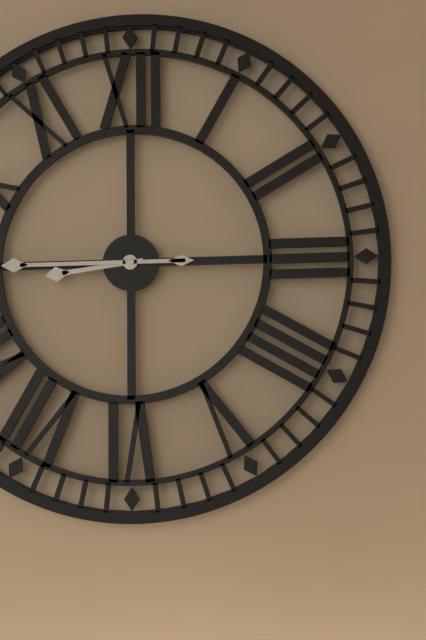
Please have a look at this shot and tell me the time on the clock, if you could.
8:45
